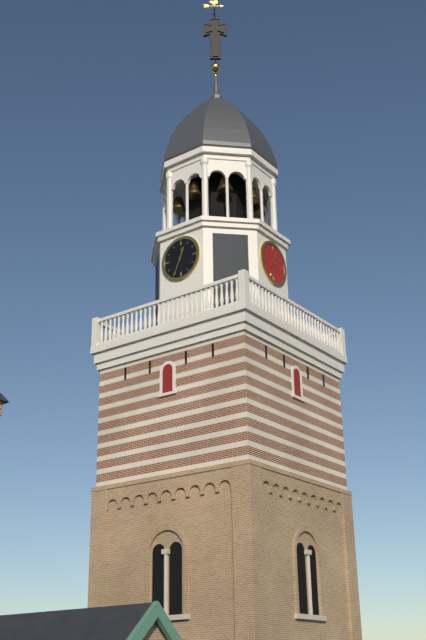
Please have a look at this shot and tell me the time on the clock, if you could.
12:34
